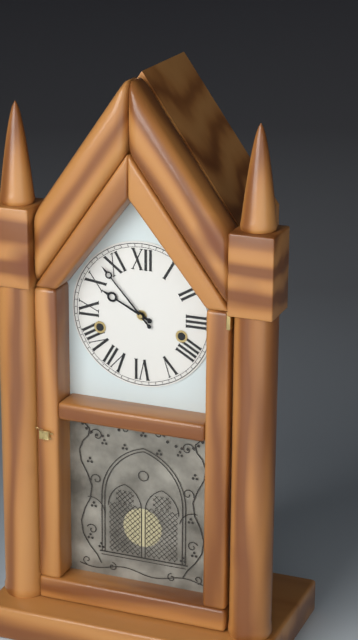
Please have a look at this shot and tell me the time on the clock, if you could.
9:53
